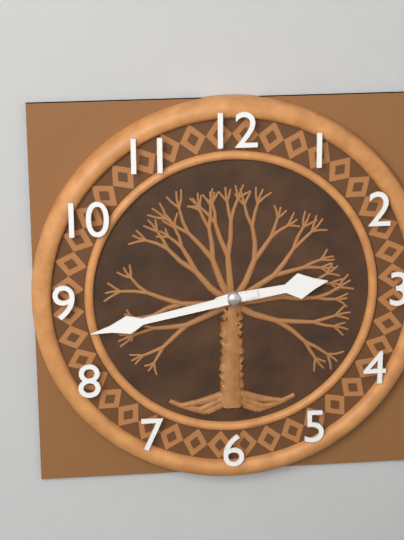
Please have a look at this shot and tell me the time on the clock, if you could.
2:43
